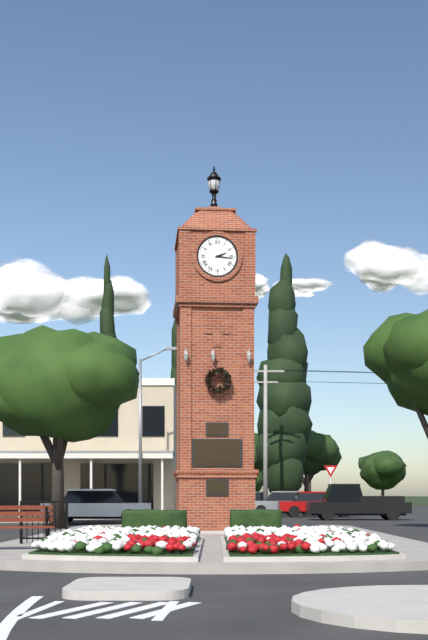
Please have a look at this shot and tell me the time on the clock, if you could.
2:16
